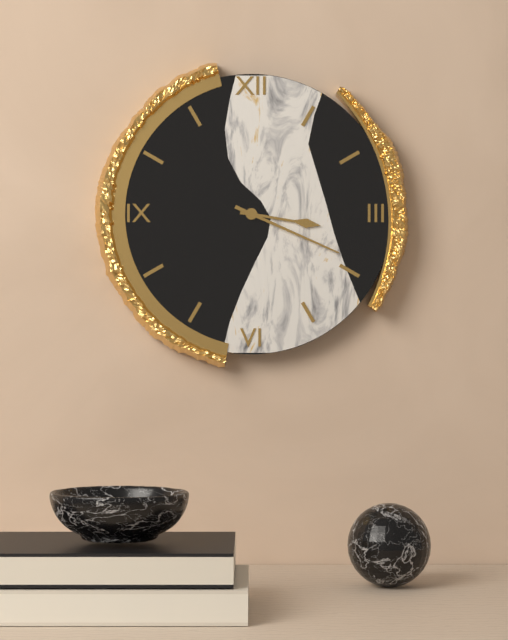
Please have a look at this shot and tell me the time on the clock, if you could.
3:19
